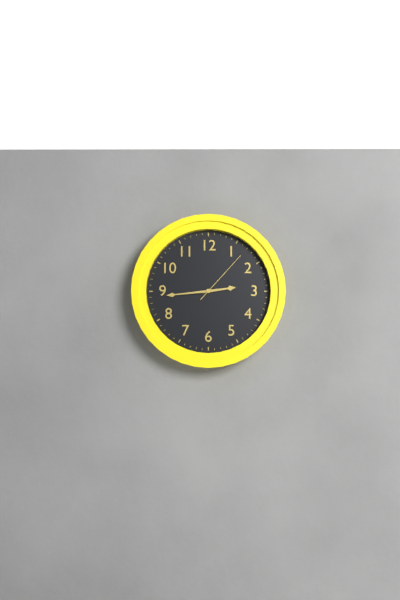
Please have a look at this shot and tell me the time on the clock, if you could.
2:44:07
